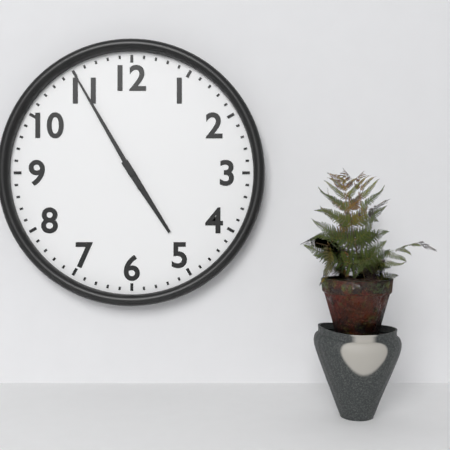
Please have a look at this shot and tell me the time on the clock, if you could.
4:55
